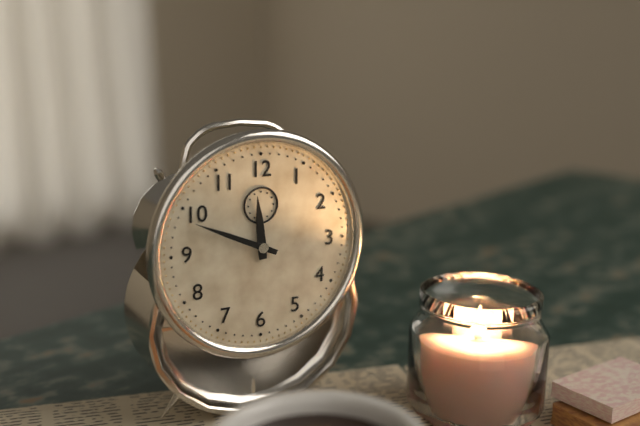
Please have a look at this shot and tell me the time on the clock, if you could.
11:49
